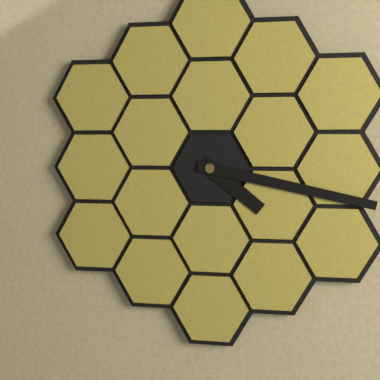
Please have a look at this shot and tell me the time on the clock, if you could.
4:17
